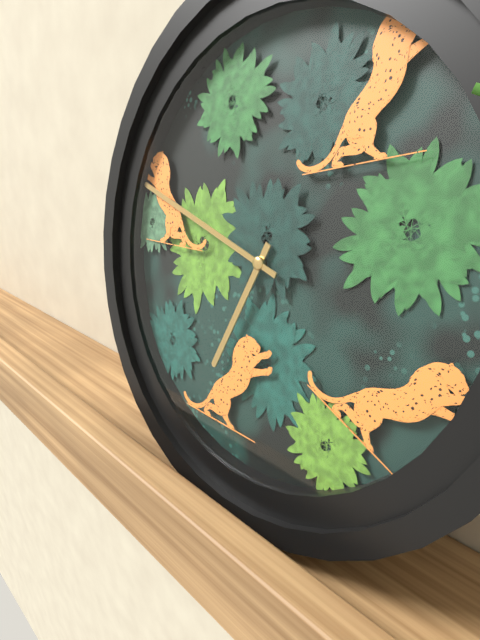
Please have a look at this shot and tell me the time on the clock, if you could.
6:48
